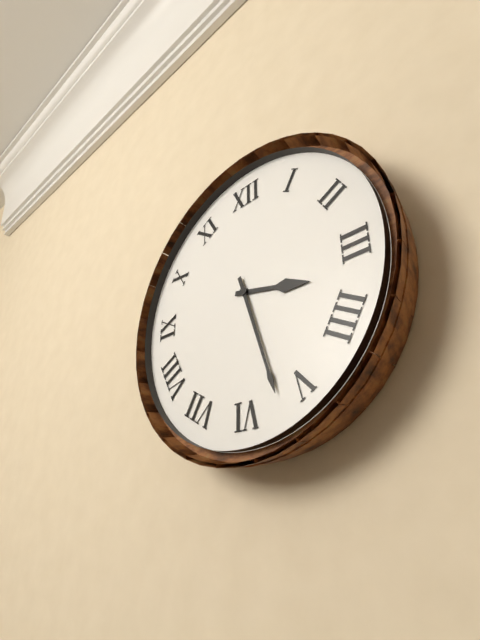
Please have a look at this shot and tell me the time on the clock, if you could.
3:27
